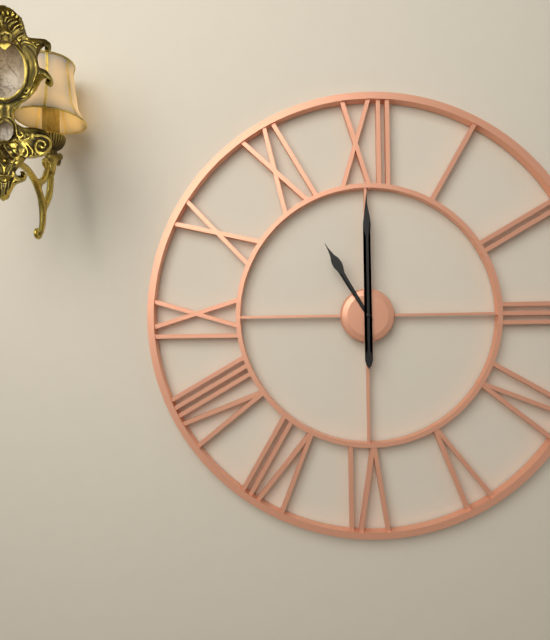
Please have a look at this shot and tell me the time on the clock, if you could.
11:00
